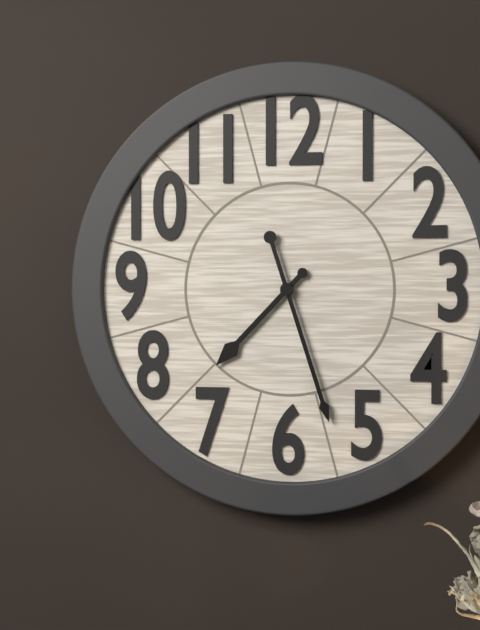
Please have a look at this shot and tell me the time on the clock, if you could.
7:27
